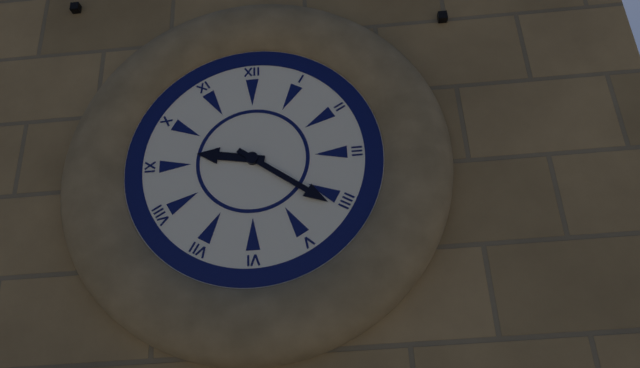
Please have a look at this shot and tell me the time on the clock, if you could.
9:21
